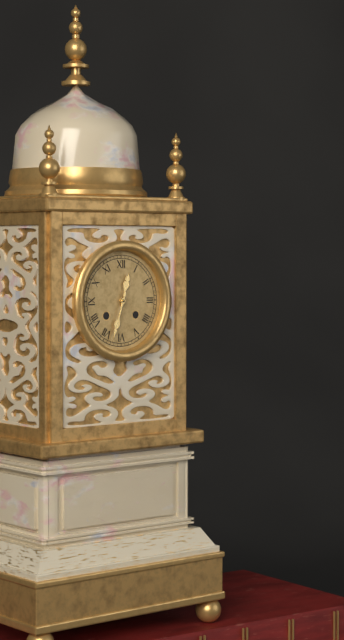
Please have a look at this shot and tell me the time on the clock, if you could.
12:33
